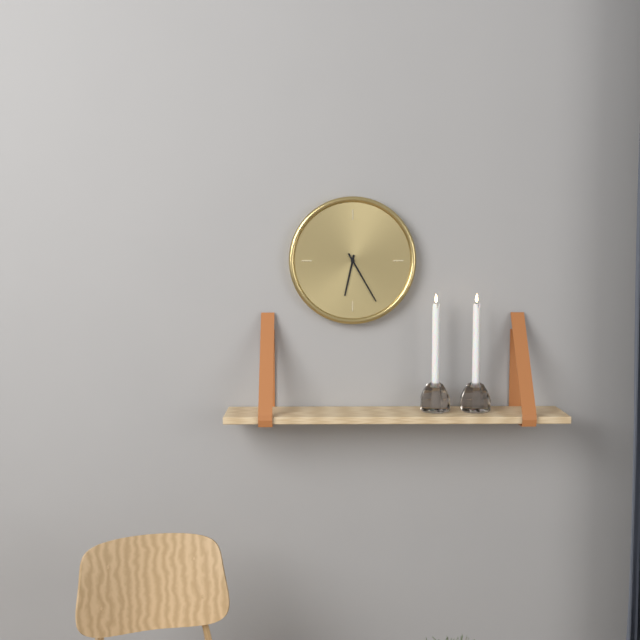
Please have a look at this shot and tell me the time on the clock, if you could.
6:25
